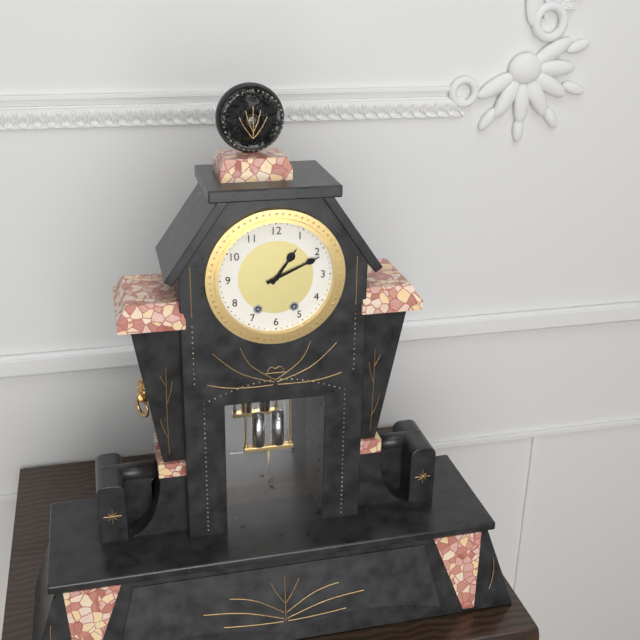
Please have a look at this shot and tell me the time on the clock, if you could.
1:11
